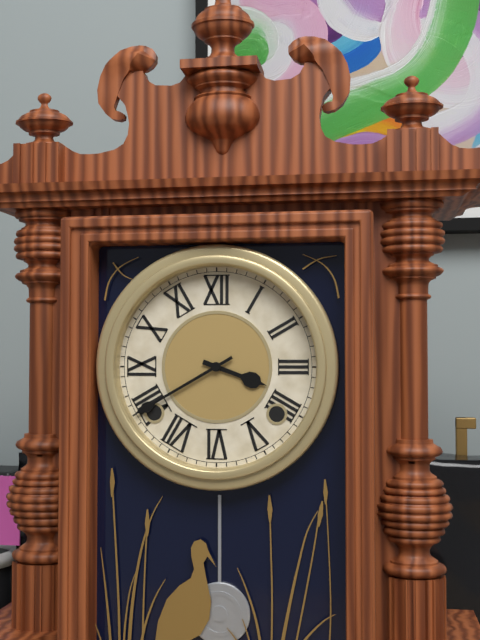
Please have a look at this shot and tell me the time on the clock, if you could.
3:40
